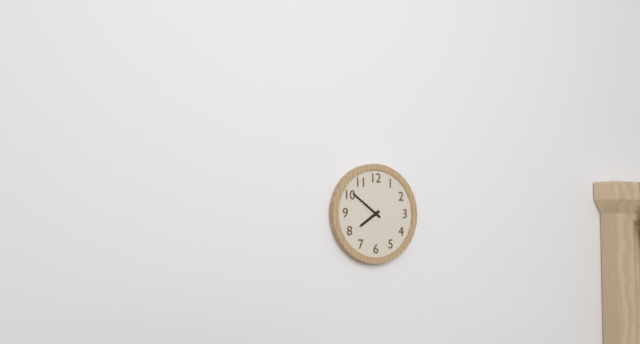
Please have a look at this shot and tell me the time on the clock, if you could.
7:51
